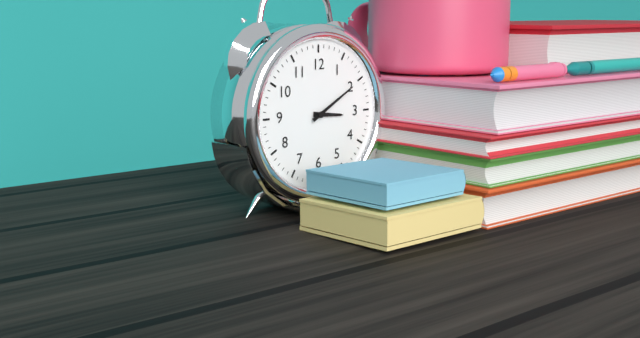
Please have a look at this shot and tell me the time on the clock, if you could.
3:10
